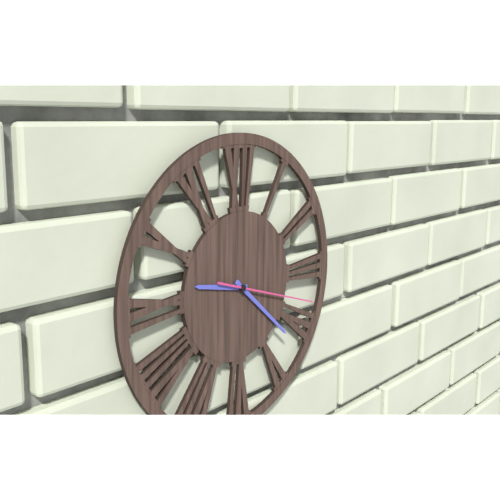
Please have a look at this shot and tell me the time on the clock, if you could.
9:22:18
